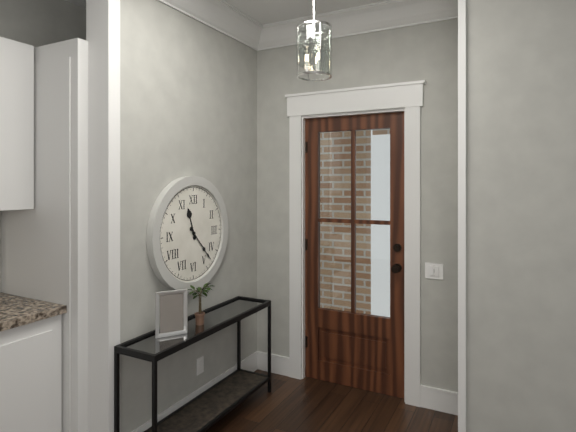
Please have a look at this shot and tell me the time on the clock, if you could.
11:23
